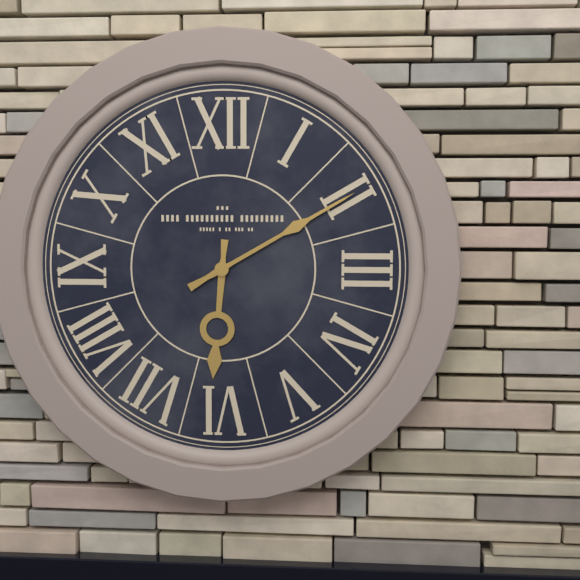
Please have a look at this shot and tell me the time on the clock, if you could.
6:10
